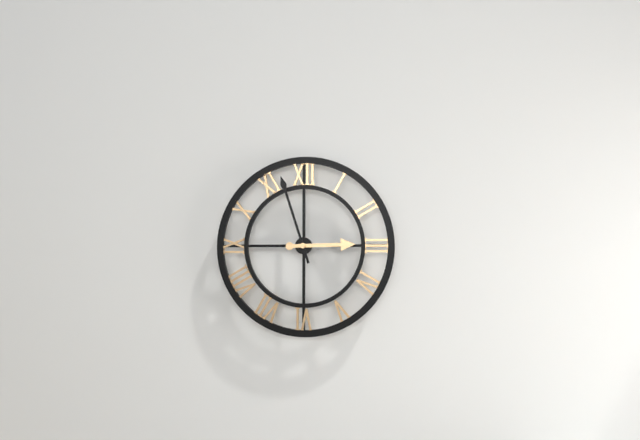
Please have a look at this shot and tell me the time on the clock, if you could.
2:57
